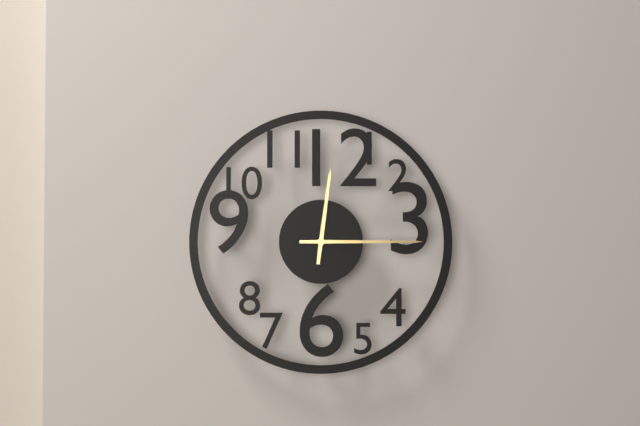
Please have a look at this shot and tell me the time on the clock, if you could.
12:15
